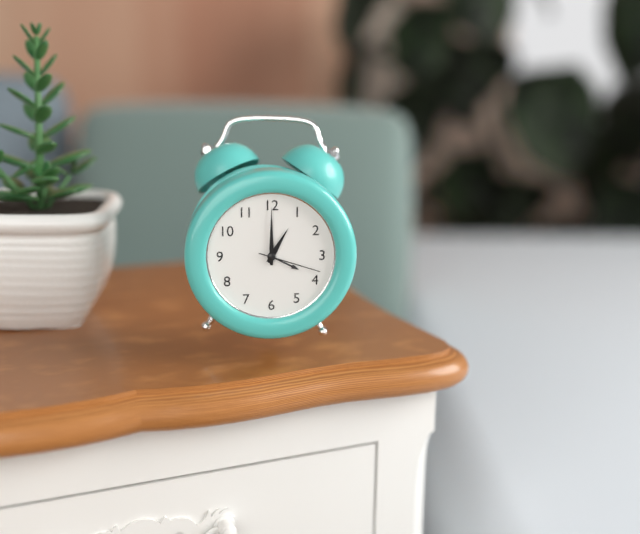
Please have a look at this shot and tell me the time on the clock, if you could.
1:00:18
